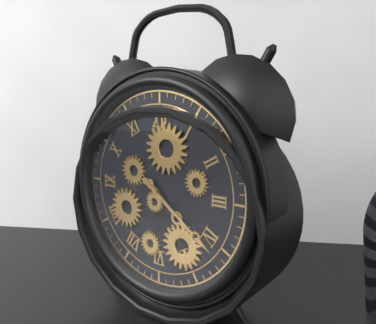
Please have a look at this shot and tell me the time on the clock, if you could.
4:21
